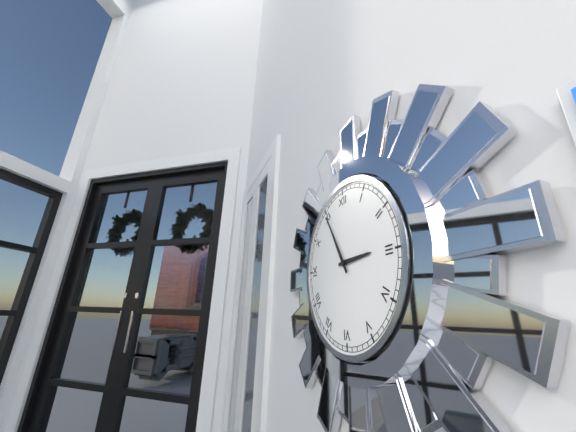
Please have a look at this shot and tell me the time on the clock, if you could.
2:55
